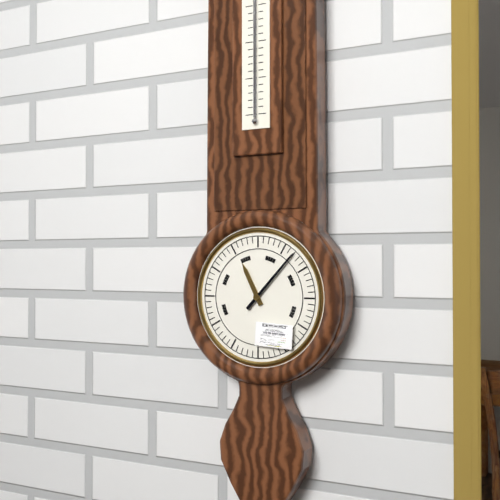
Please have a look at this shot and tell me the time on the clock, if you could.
11:07
